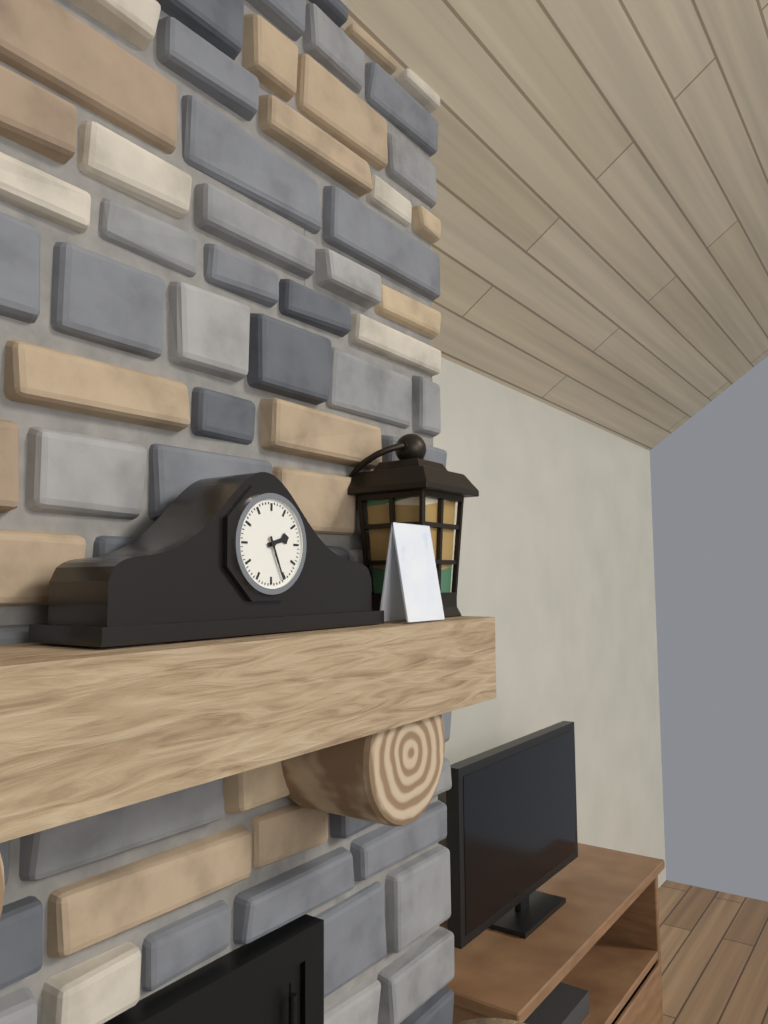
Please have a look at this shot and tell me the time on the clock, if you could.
2:26
